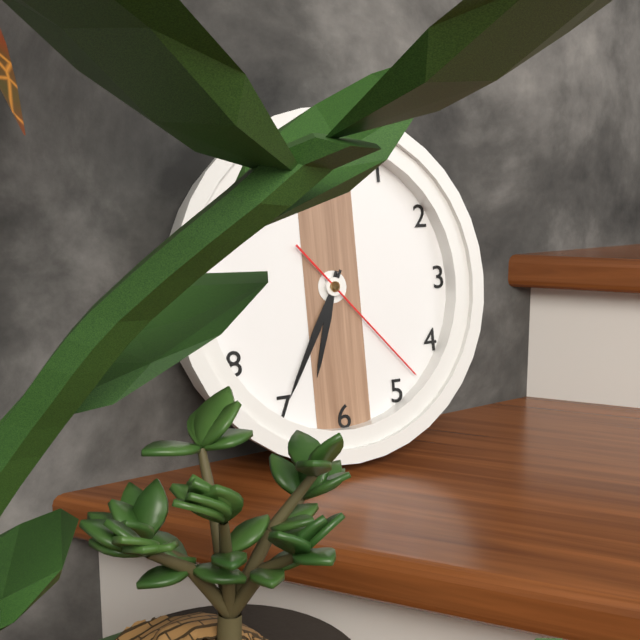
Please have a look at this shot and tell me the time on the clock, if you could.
6:35:23
